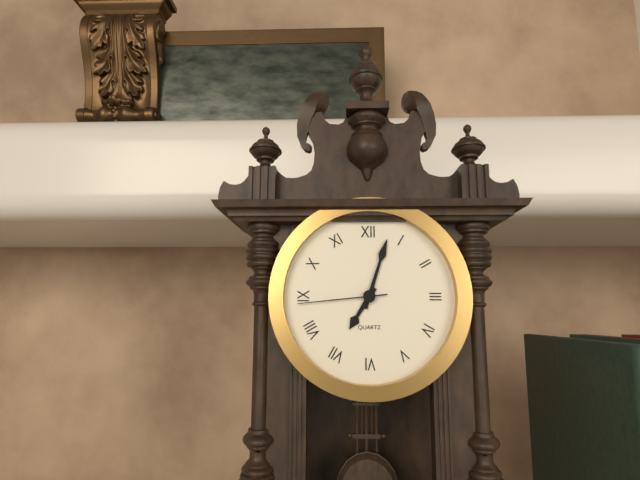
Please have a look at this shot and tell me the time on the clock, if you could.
7:03:44
